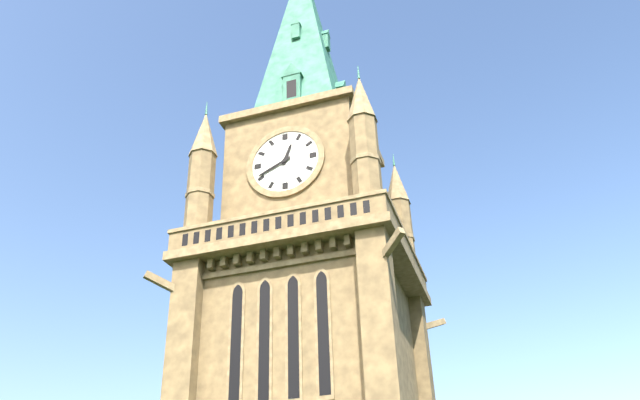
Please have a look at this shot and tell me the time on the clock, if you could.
12:41
